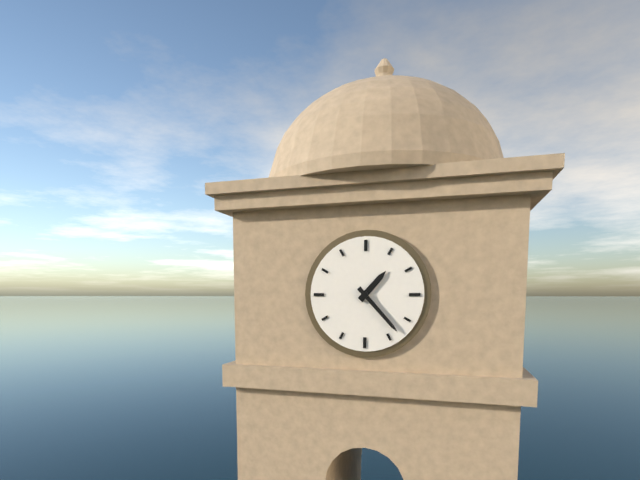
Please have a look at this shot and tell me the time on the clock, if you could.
1:23
